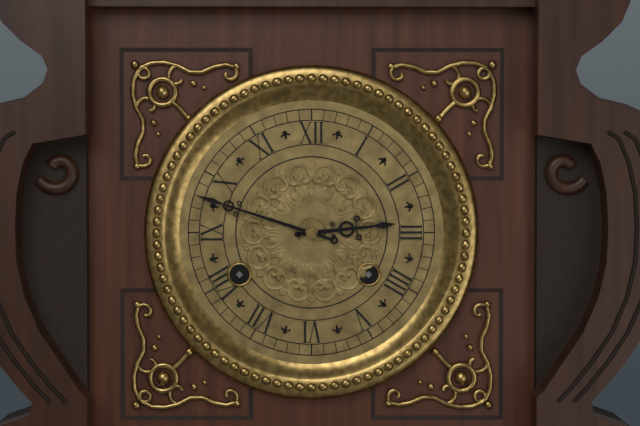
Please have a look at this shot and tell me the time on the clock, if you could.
2:48
